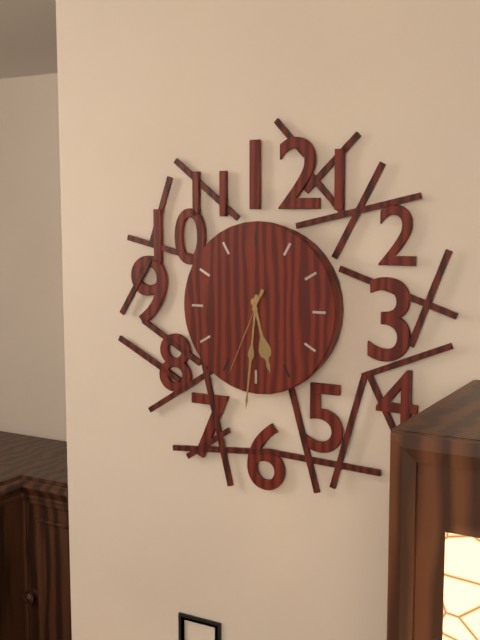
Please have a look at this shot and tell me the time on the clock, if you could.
5:31:34
